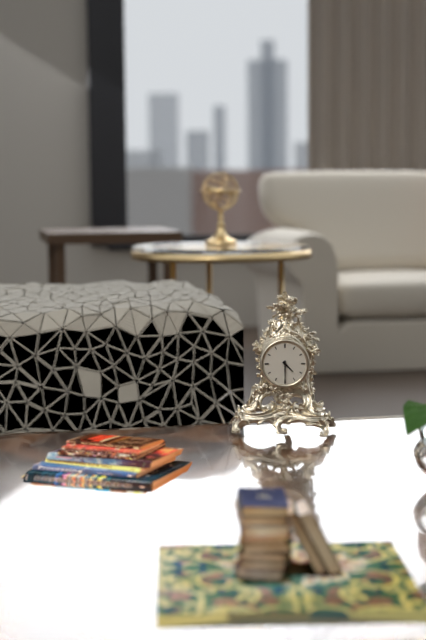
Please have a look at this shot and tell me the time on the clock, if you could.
4:30
